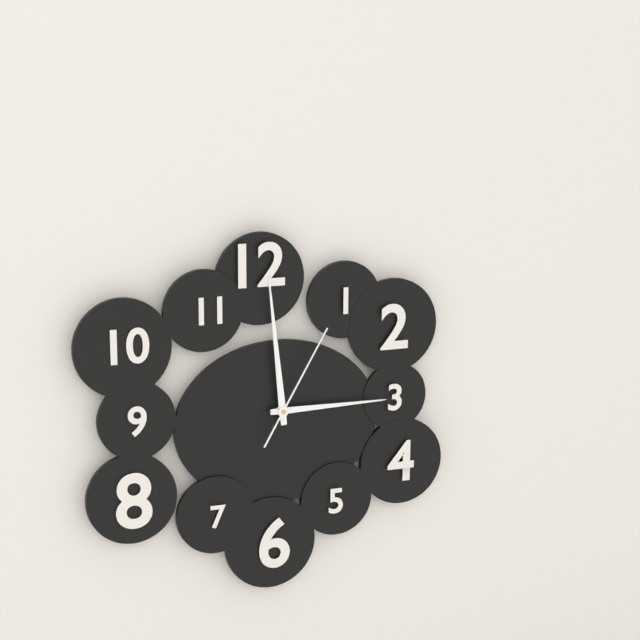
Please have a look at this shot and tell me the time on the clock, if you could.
2:59:05
